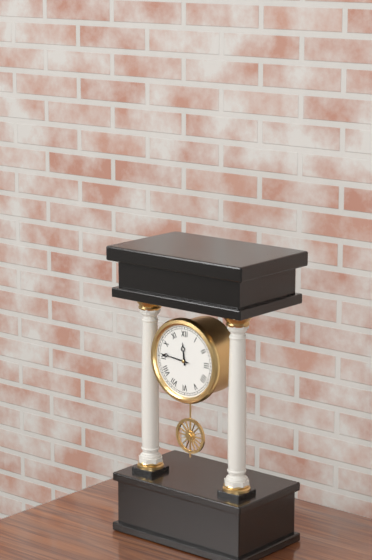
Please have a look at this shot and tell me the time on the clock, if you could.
11:46
